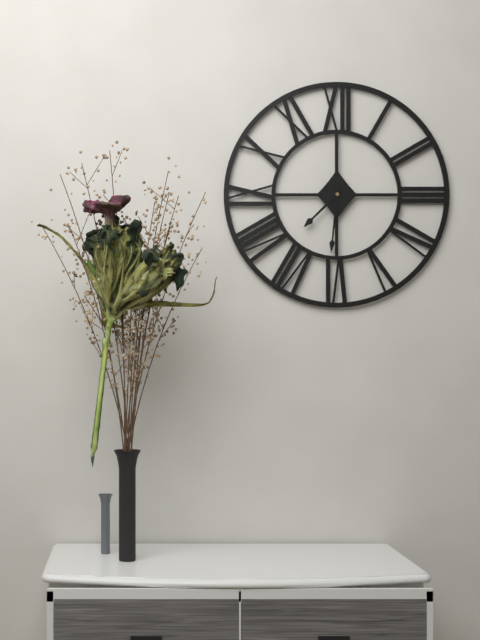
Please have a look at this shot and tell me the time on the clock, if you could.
7:31
